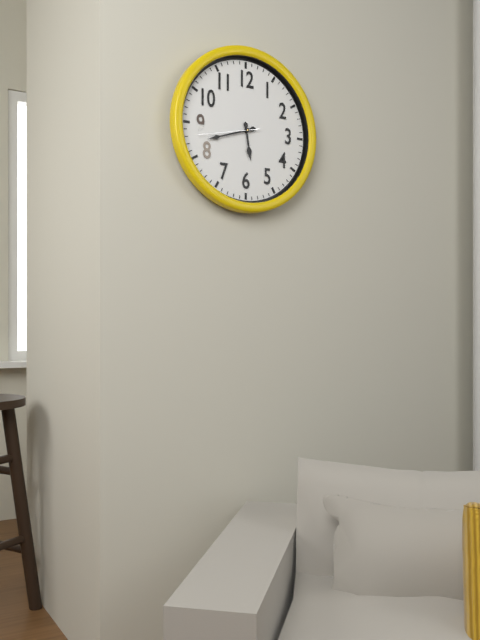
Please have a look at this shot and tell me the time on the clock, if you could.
5:42:43
